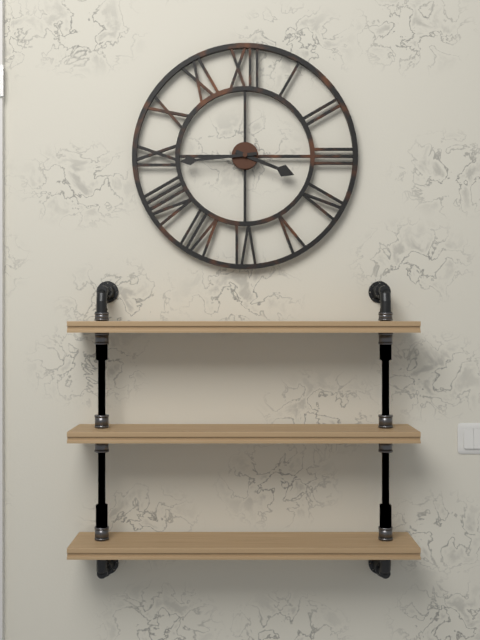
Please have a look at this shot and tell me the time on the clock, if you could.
3:44
